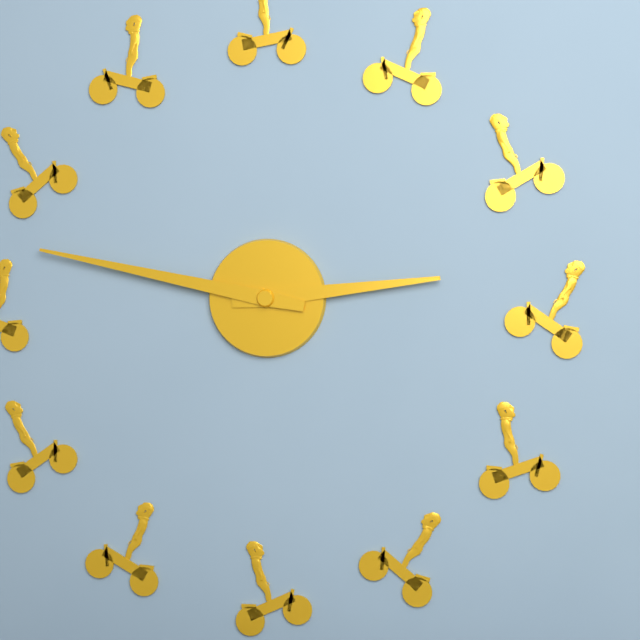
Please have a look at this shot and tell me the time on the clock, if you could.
2:47
